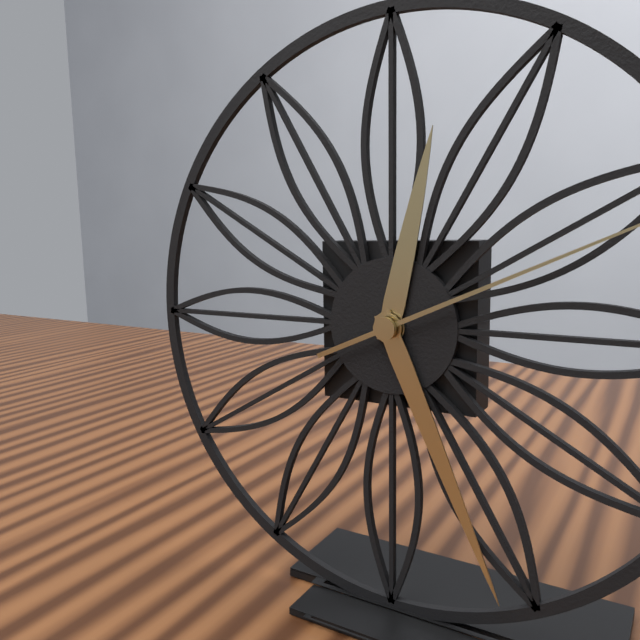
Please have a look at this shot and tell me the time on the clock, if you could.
12:26
